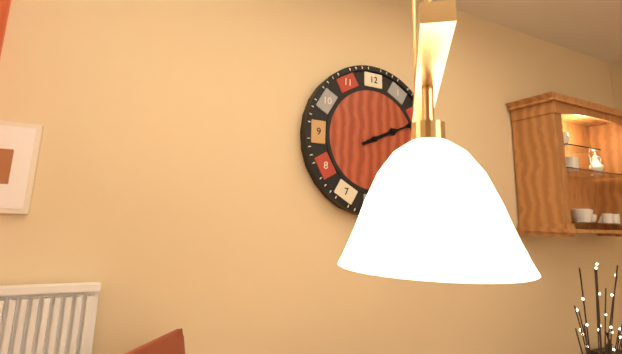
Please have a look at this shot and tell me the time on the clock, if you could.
2:11
